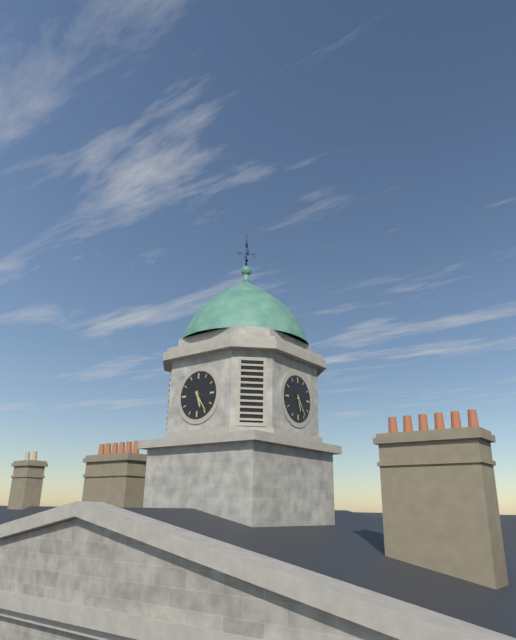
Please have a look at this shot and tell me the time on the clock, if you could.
5:24
